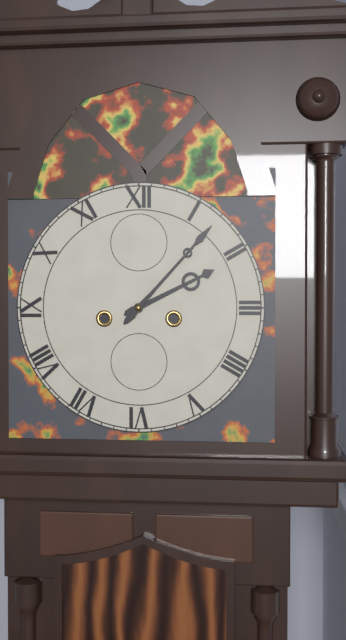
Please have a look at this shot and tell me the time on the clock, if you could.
2:07
